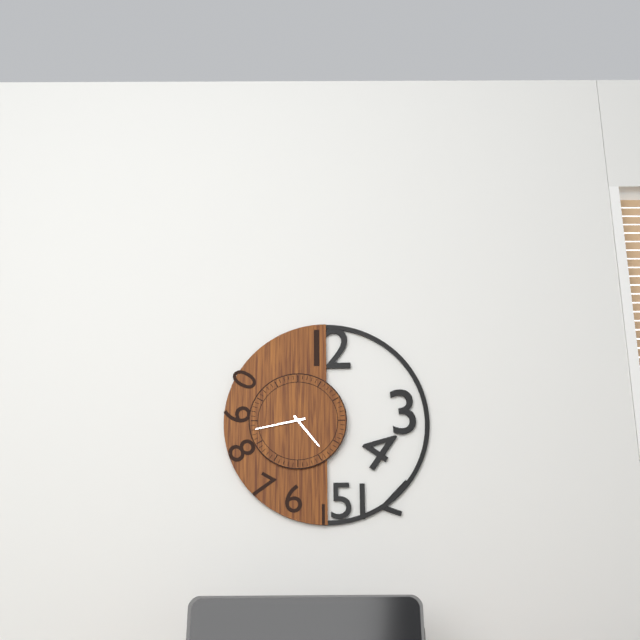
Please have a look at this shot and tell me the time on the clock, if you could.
4:43
